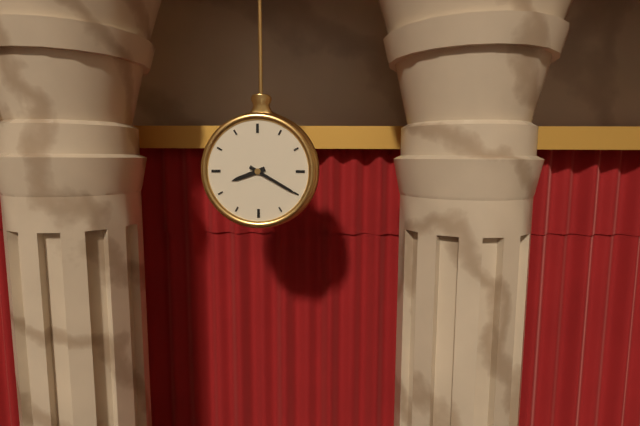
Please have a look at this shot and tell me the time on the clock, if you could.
8:20
